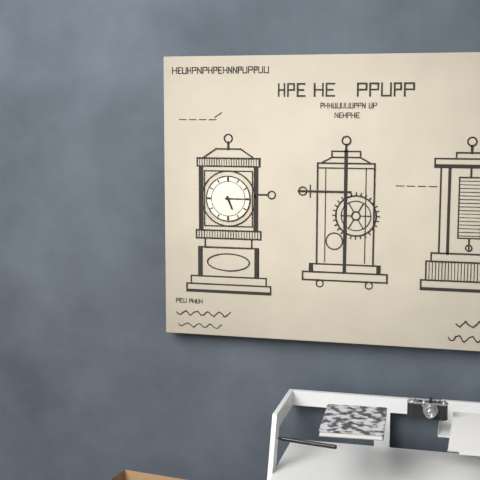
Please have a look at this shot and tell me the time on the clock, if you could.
5:15
